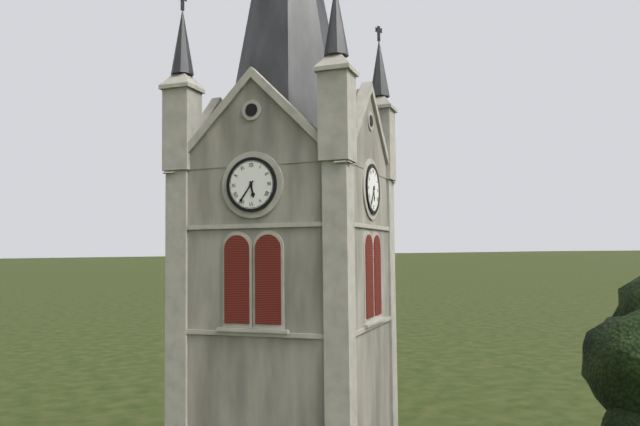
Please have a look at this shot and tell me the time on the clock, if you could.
5:36
